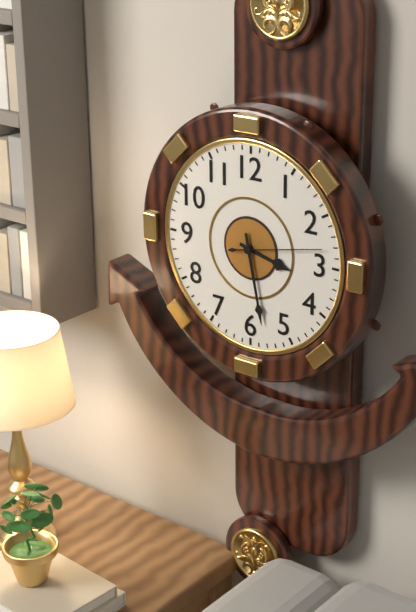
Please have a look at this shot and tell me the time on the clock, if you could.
3:28:13
